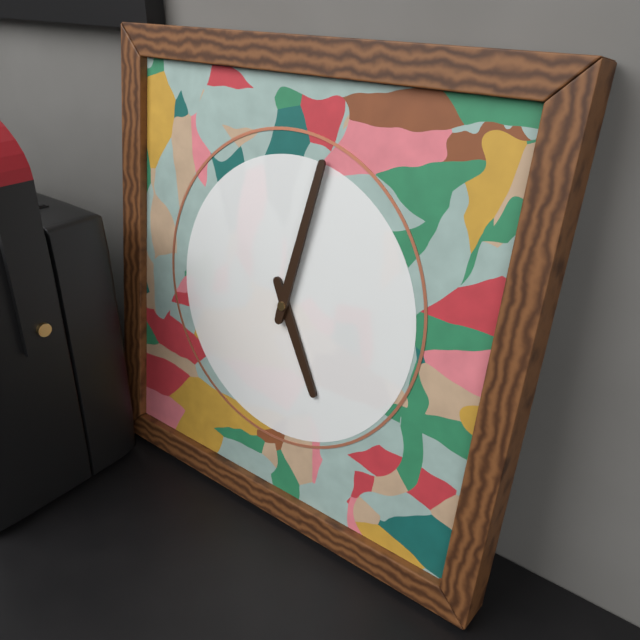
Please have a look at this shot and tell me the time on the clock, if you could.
5:02
